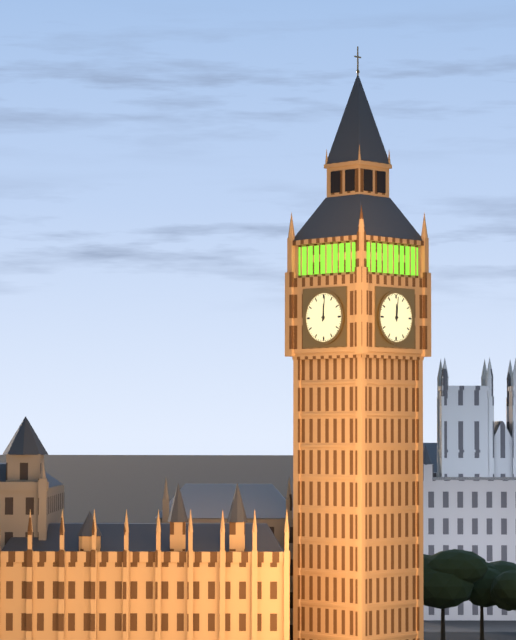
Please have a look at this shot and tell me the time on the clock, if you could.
12:01
